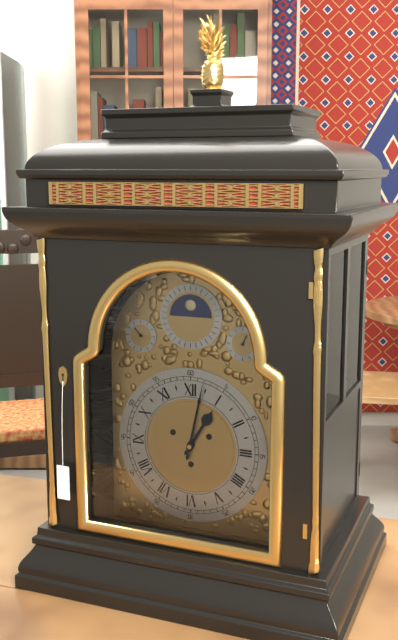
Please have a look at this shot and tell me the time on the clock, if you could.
1:02
